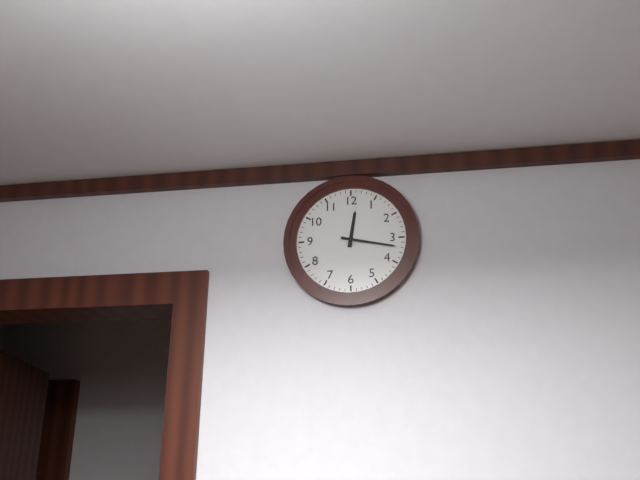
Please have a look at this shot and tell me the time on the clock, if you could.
12:17
